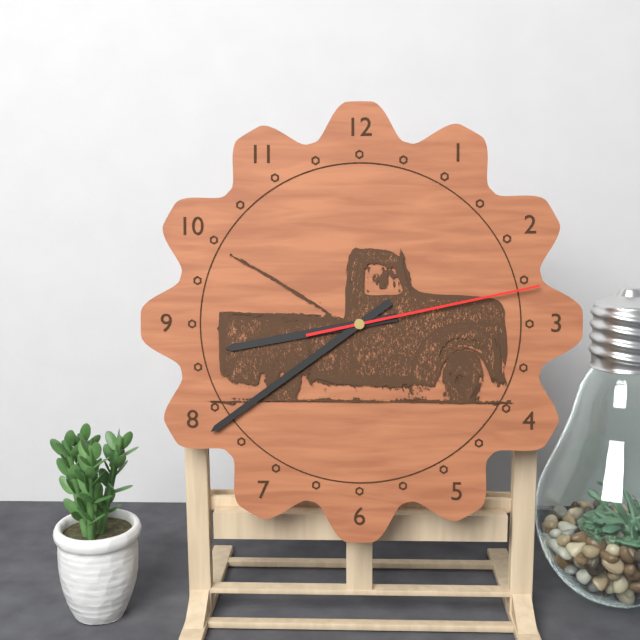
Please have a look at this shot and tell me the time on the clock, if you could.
8:39:13
